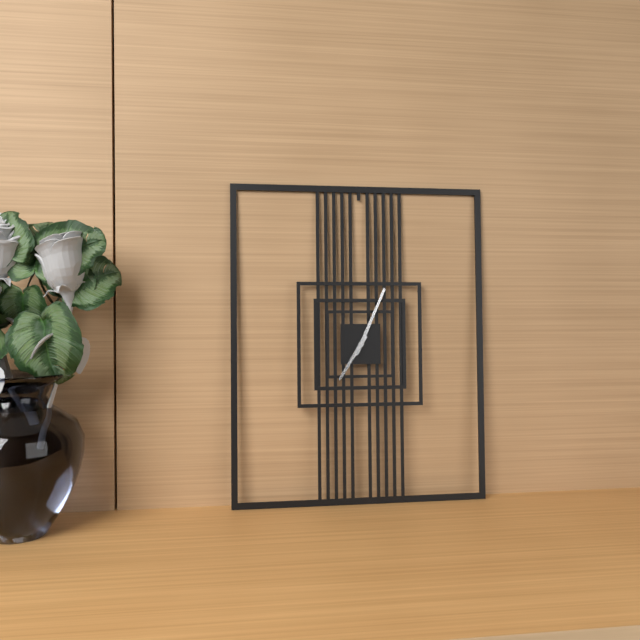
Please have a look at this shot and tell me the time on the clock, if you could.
7:04
